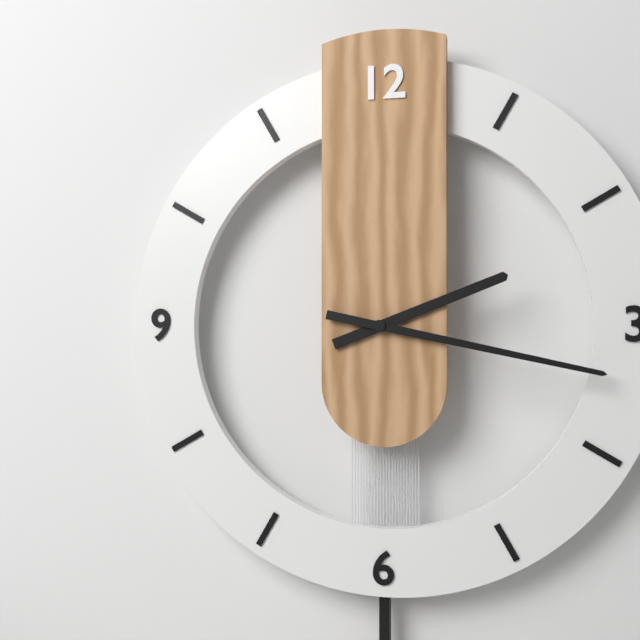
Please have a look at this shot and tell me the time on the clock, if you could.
2:17
